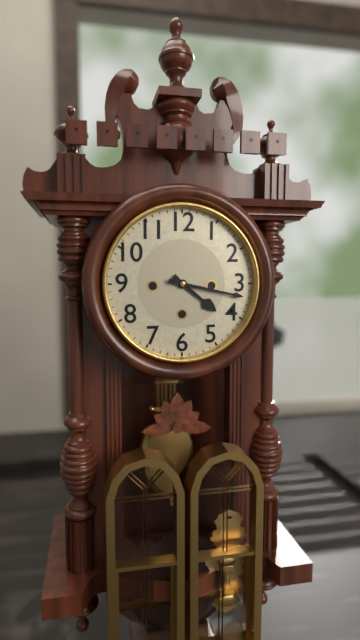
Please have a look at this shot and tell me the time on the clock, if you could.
4:17
